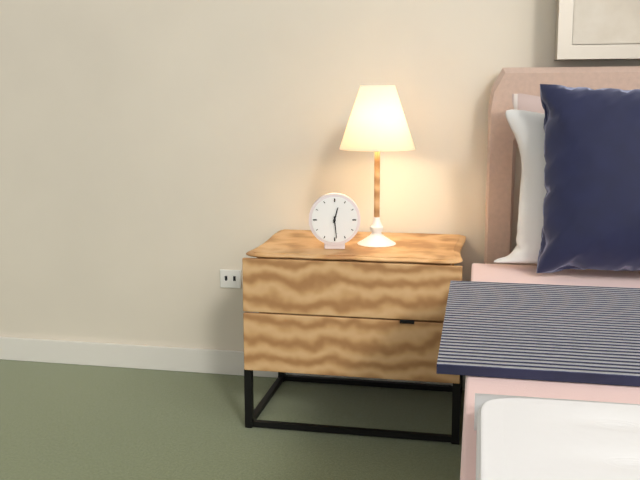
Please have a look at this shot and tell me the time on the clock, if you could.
12:29
